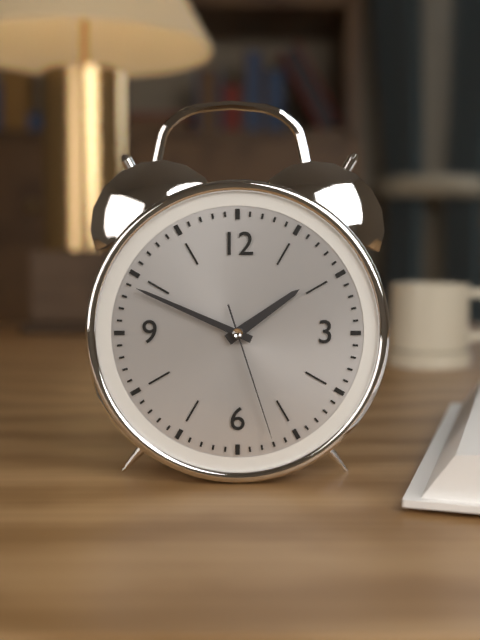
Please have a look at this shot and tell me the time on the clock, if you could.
1:49:27
